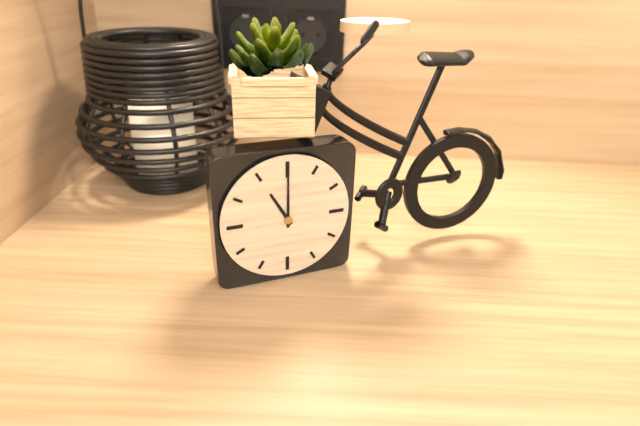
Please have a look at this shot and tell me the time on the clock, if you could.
11:00
